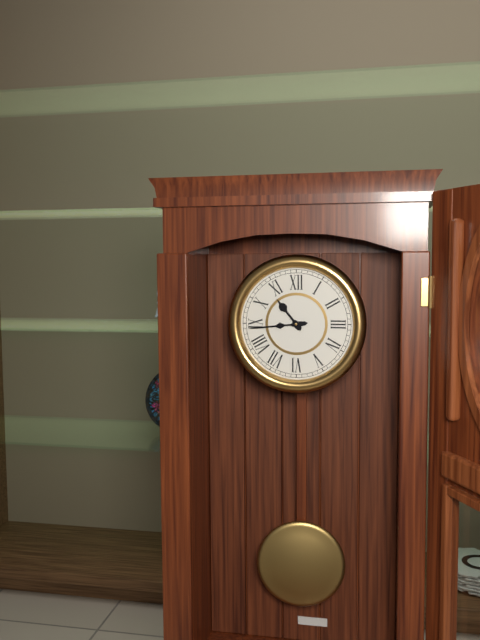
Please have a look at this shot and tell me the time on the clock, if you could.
10:44
